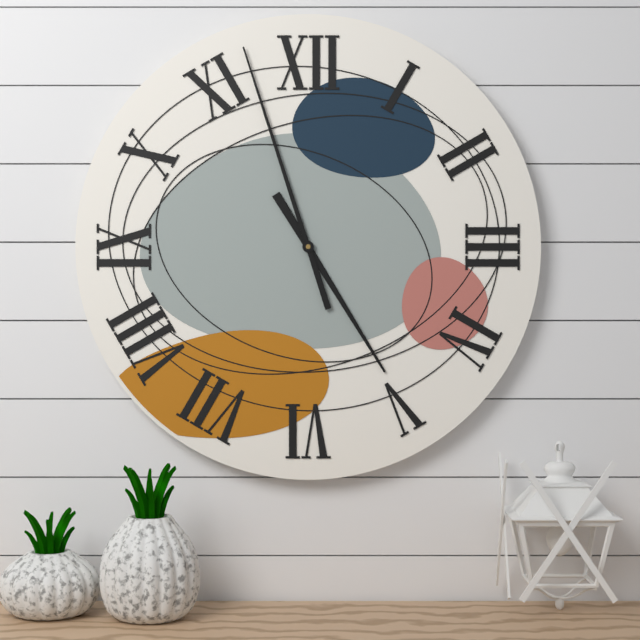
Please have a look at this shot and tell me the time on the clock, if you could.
4:57
